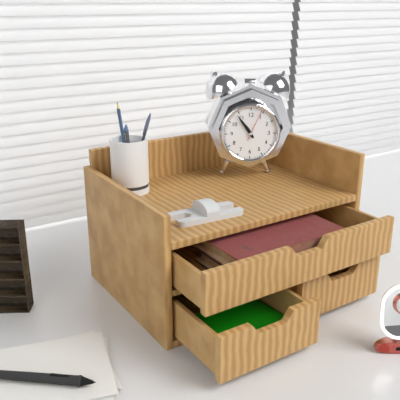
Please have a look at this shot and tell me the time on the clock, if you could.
10:54
